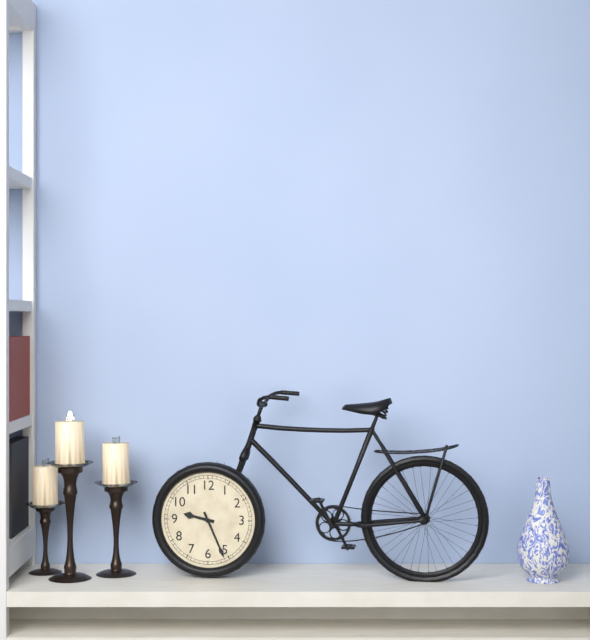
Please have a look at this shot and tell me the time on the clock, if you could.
9:26
